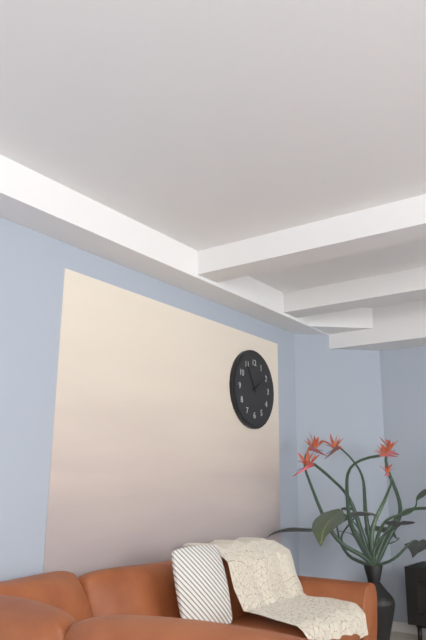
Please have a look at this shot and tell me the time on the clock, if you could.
1:55
